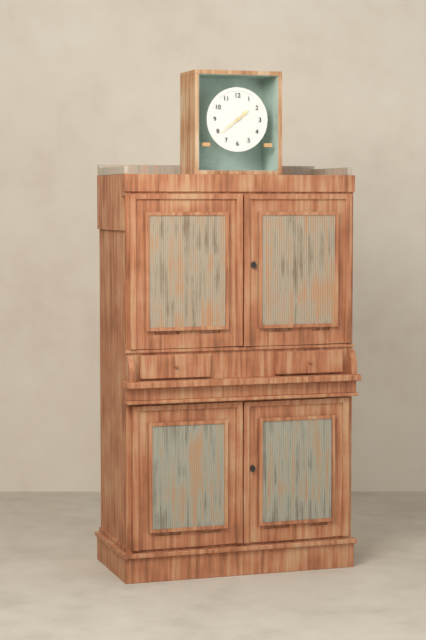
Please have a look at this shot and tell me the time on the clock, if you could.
1:39
